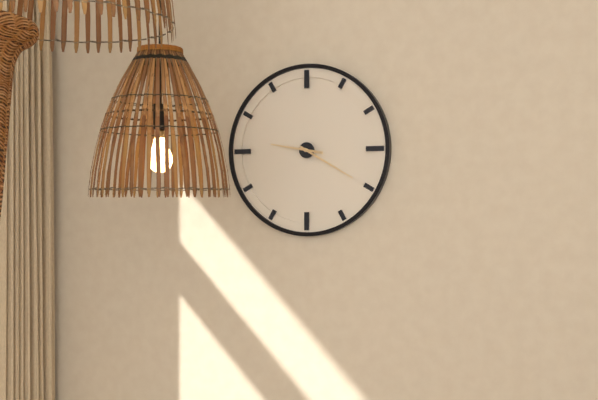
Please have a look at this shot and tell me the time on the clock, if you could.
9:20
